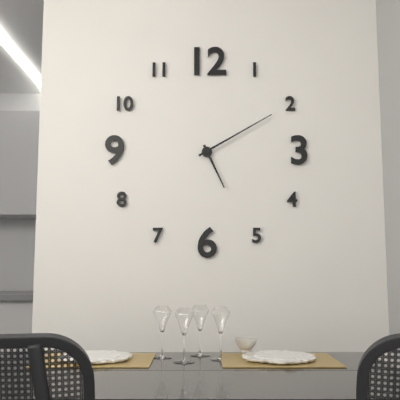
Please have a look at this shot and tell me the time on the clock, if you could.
5:10
